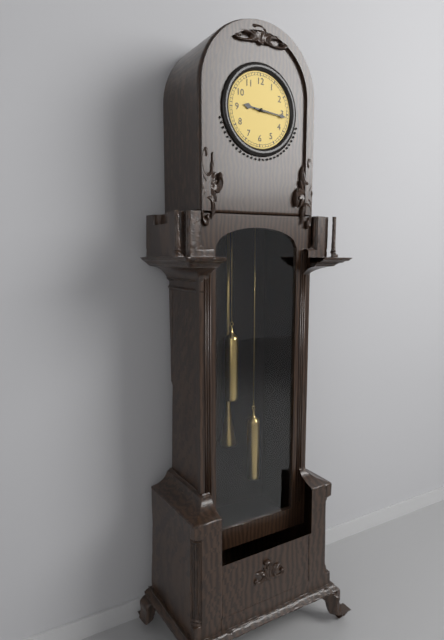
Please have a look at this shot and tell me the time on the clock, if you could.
9:16
